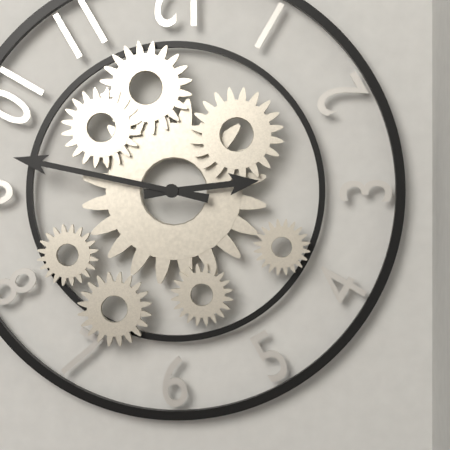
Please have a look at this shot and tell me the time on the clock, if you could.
2:47
